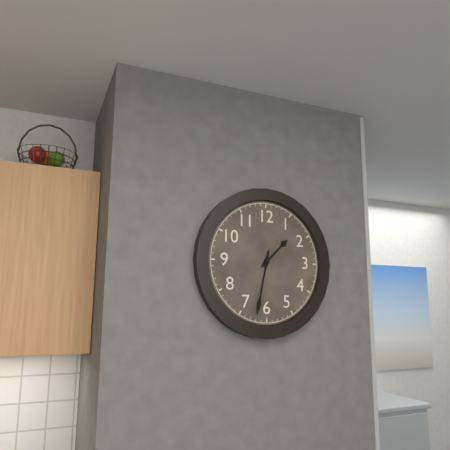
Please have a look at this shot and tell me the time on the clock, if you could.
1:32
